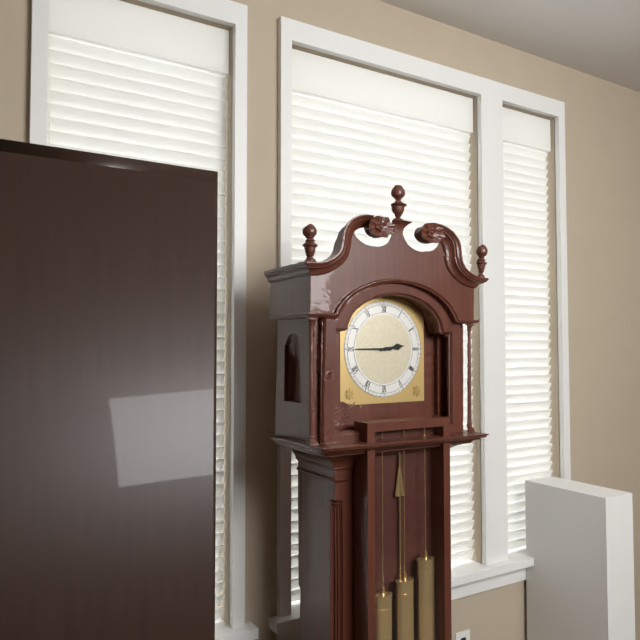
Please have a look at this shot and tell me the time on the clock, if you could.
2:45
